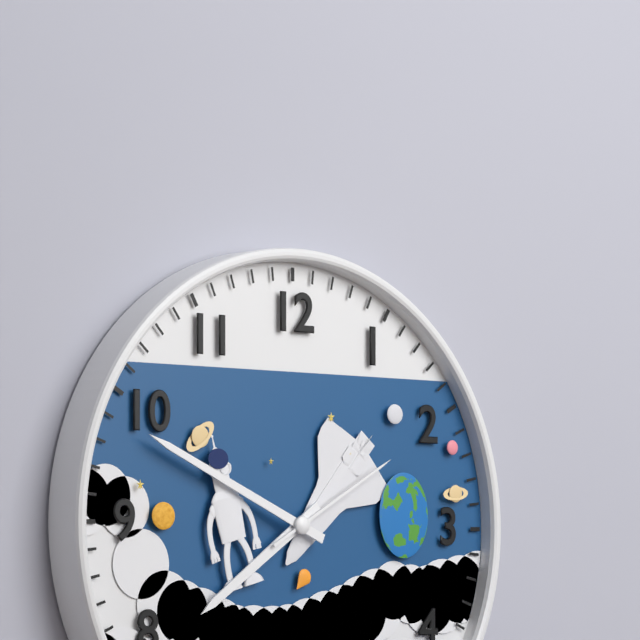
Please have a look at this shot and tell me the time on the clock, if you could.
7:49:10
